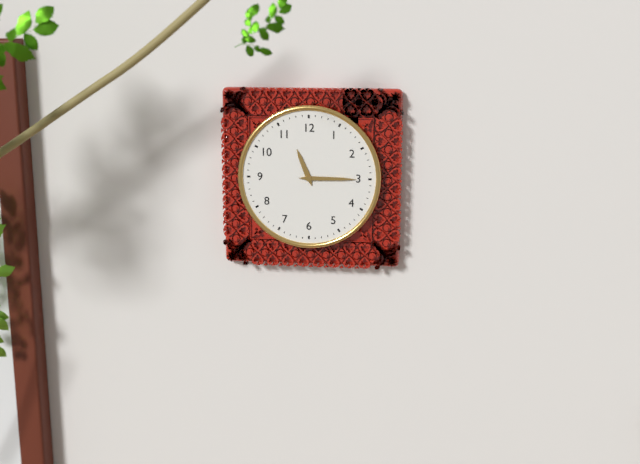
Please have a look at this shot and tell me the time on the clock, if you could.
11:15
